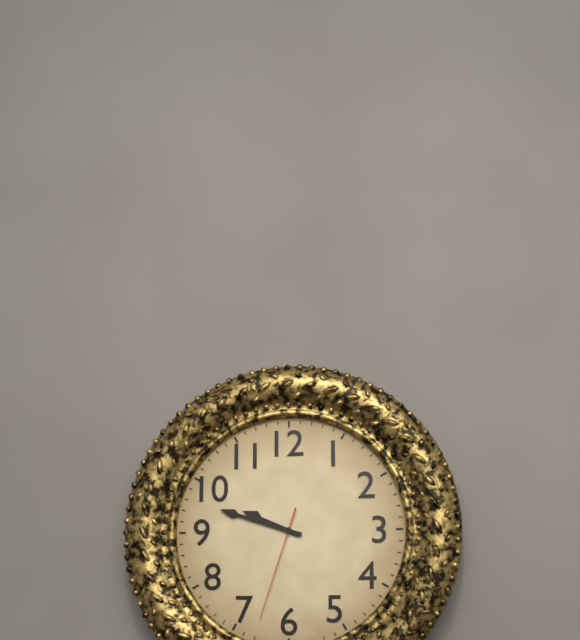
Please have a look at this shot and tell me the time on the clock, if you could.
9:48:33
